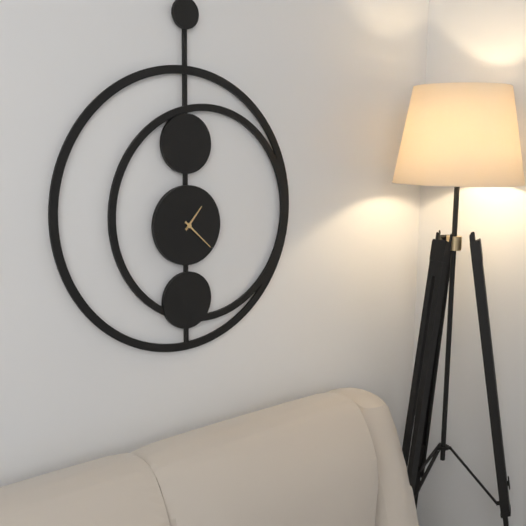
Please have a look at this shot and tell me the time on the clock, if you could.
1:22
